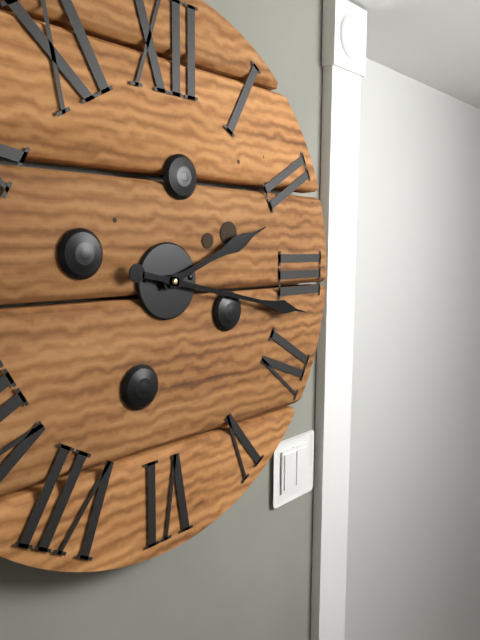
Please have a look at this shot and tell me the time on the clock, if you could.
2:17
